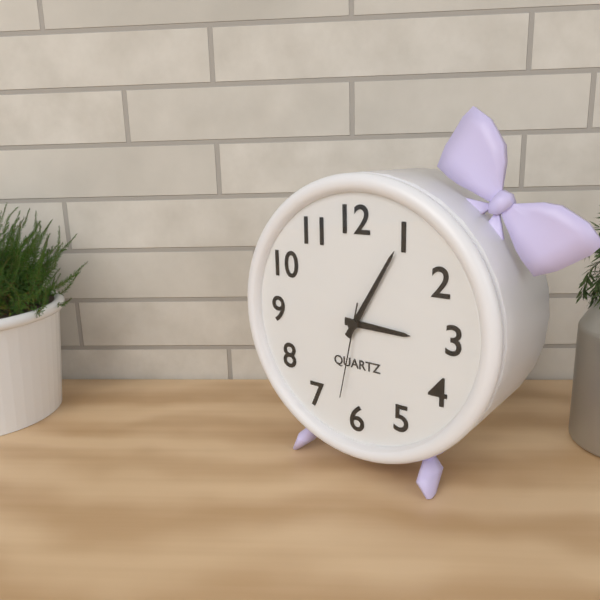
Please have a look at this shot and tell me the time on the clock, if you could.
3:05:32
